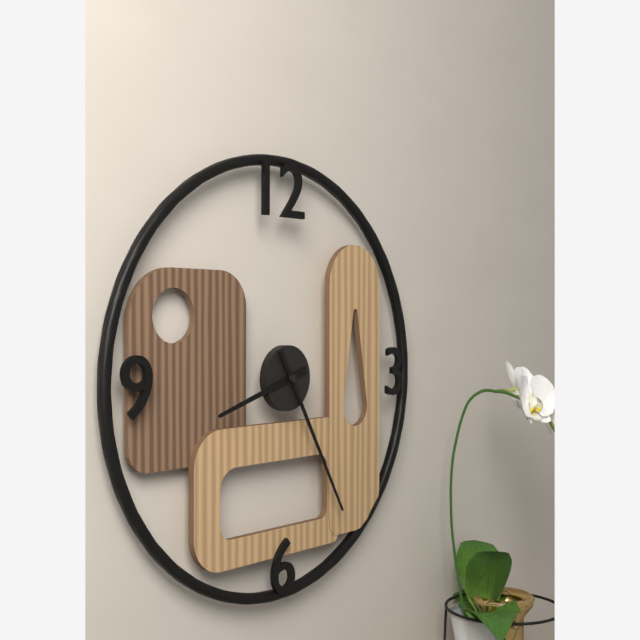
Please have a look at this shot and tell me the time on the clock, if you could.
8:25
